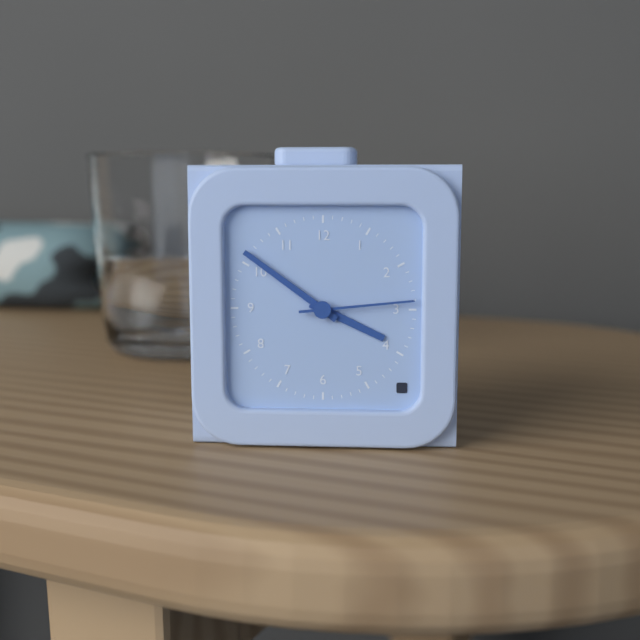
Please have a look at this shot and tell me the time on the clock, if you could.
3:51:14
